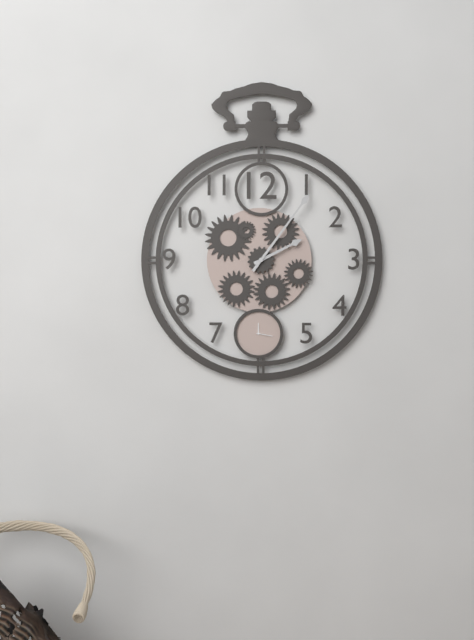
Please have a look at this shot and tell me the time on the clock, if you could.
2:06
